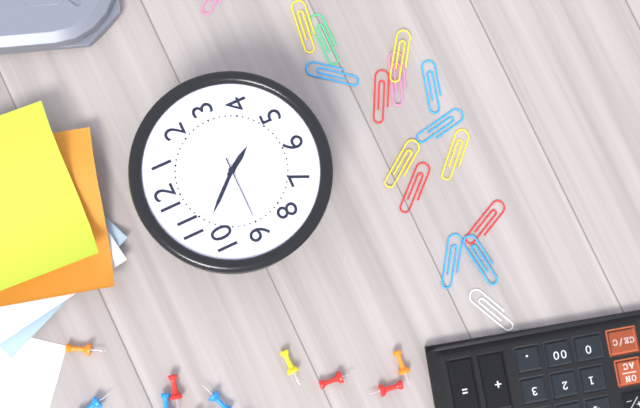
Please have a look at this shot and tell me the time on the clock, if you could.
4:53:45
